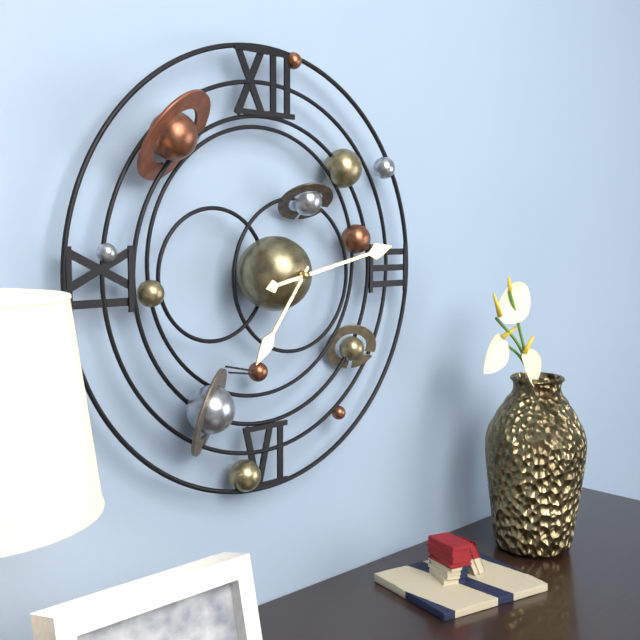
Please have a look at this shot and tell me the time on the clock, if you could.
7:13
